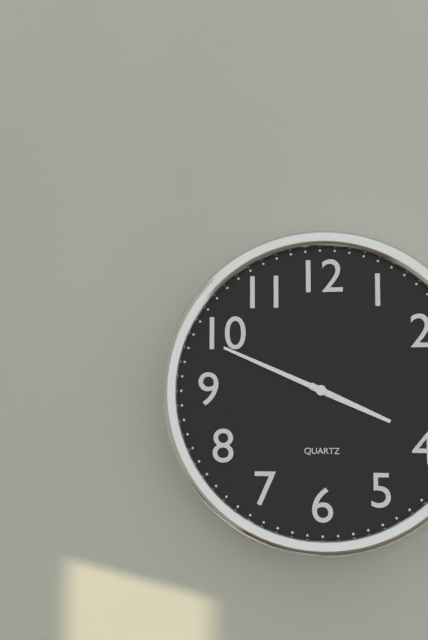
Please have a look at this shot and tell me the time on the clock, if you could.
3:49
